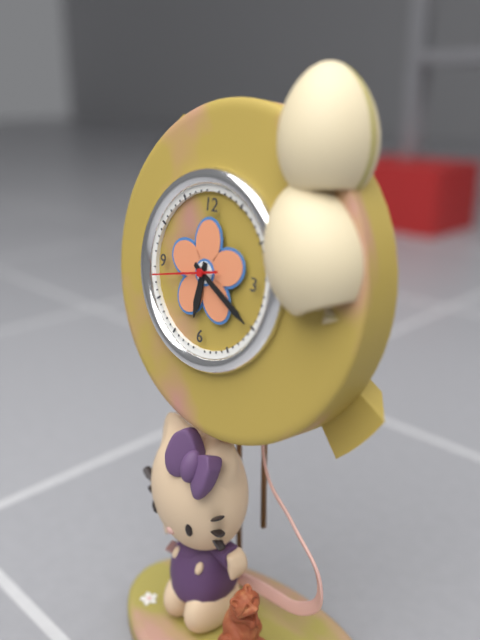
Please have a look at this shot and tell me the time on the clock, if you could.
6:20:43
